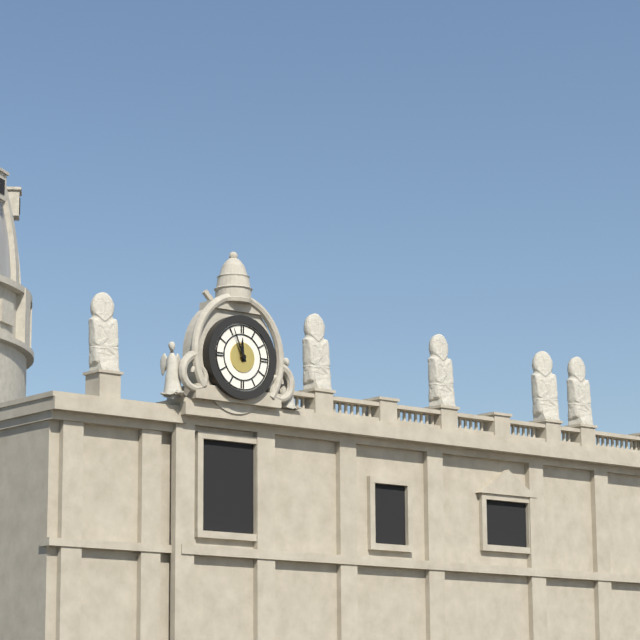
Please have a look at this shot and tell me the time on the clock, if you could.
11:56
